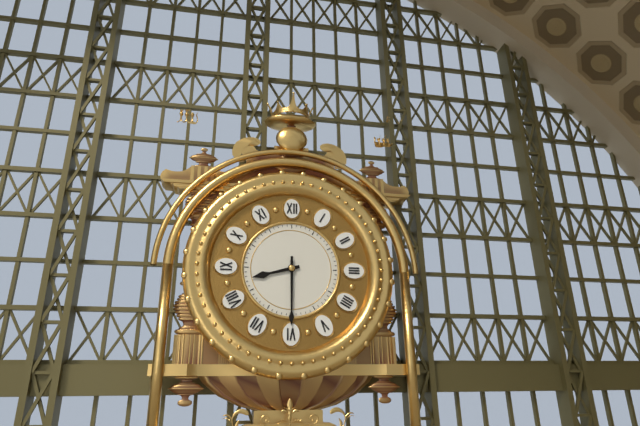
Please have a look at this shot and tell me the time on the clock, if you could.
8:30
